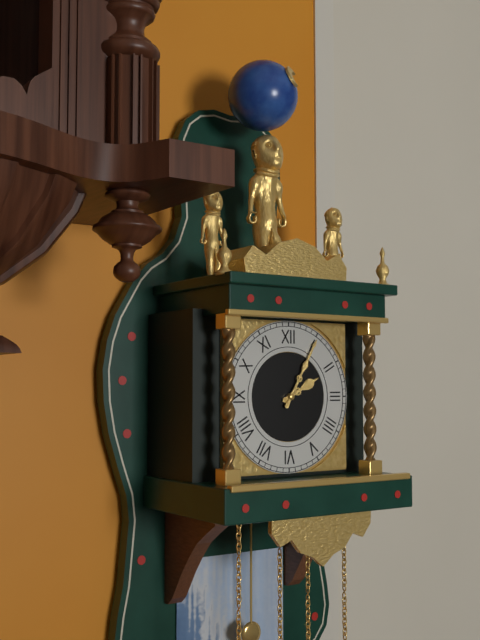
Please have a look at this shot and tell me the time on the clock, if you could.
2:05
